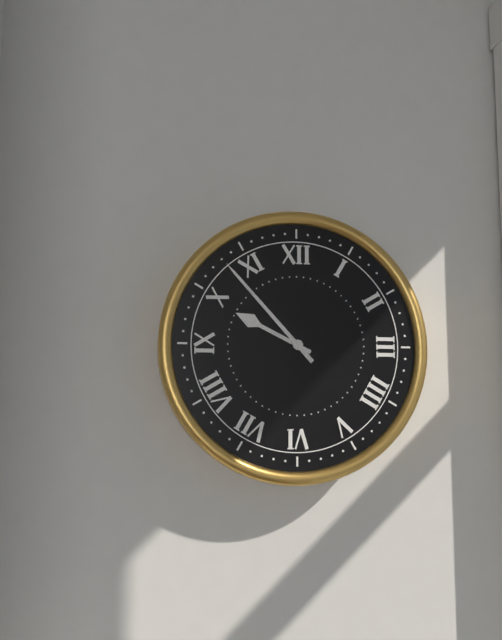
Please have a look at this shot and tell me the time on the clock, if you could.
9:53
